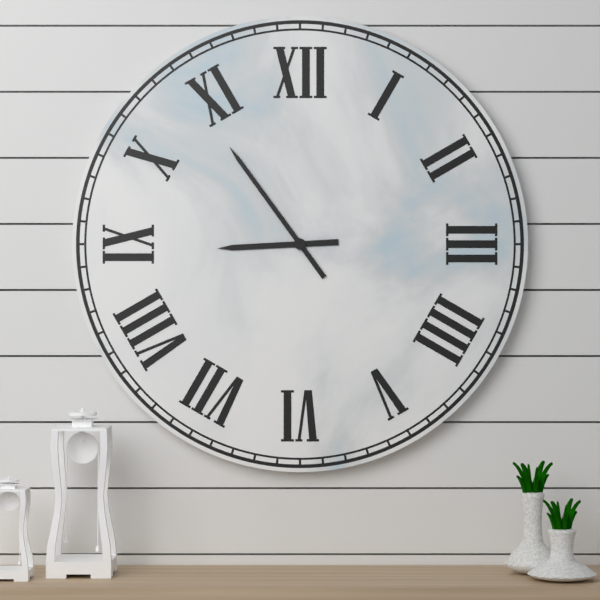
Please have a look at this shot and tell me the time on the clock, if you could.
8:54
